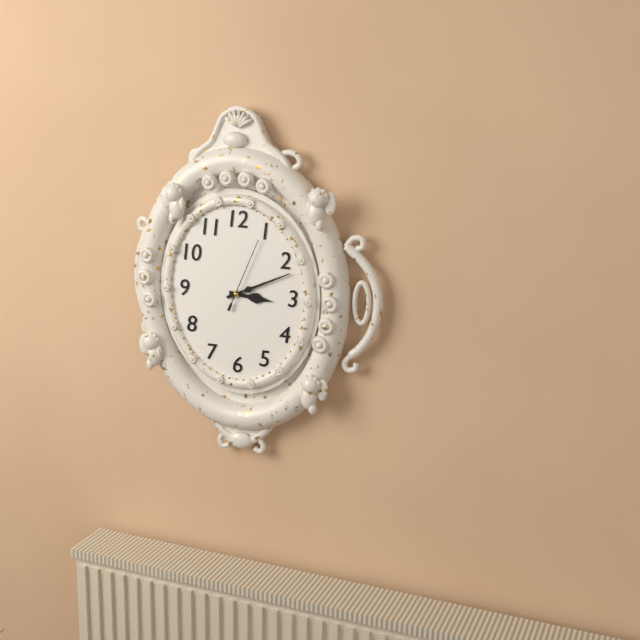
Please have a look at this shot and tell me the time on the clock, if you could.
3:11:04
